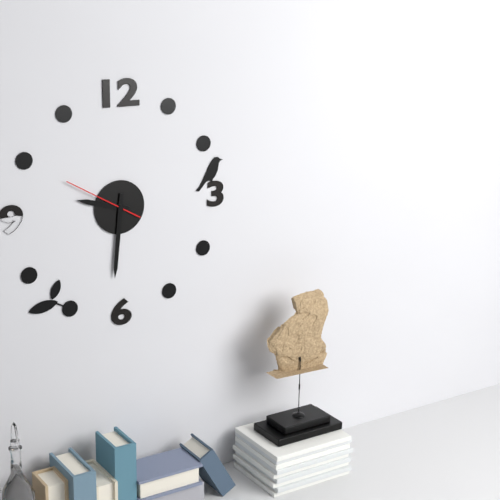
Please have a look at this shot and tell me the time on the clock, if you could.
9:31:50
